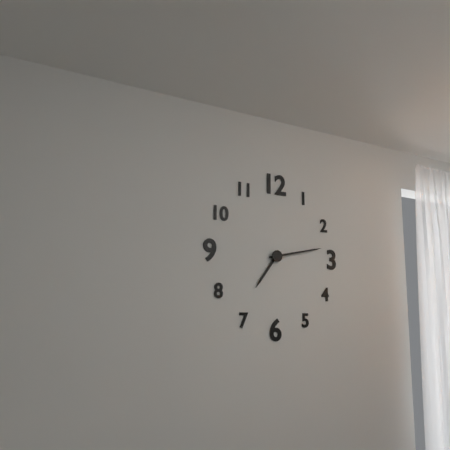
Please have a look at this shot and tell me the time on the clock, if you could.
7:13
